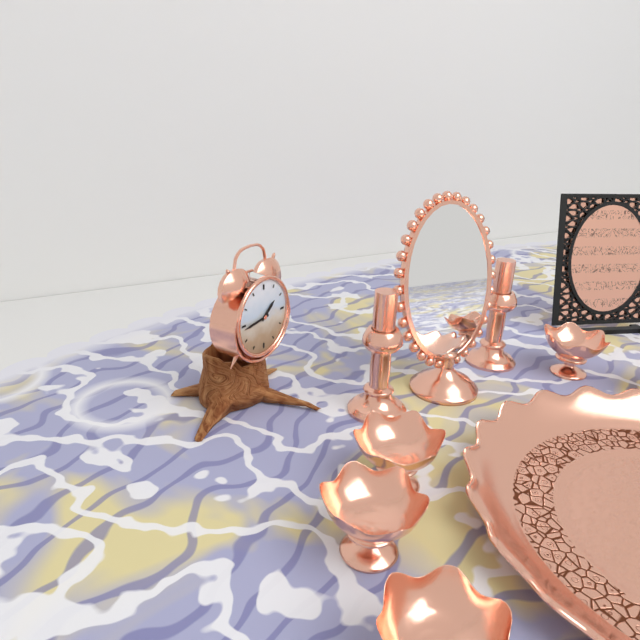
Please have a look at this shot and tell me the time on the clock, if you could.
1:44
